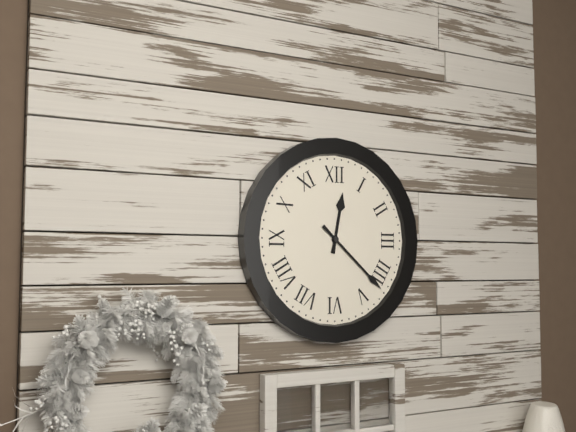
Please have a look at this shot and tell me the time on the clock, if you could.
12:22
